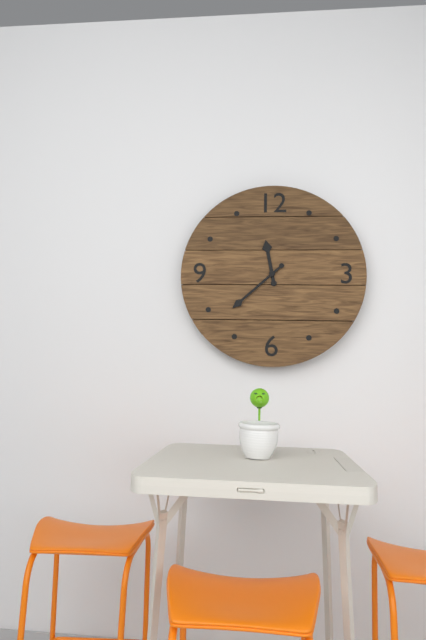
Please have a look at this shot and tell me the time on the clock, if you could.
11:38
